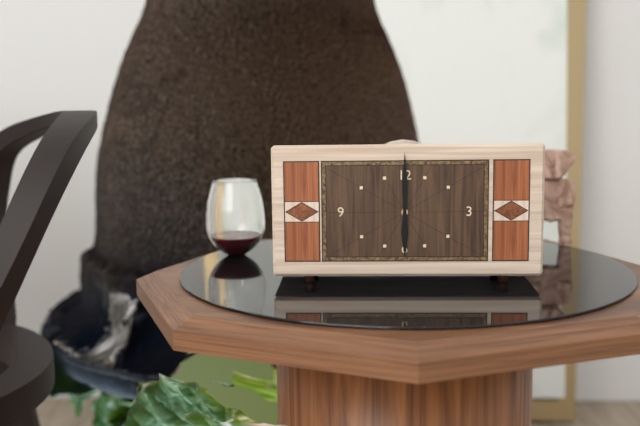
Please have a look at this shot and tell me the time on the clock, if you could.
6:00
